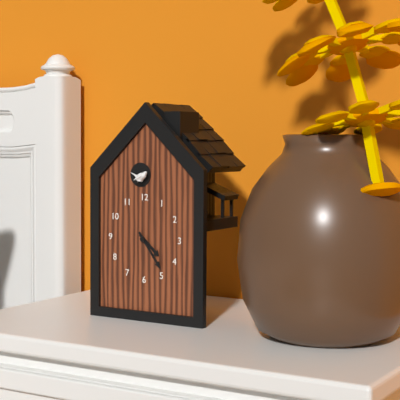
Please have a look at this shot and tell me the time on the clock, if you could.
4:24
